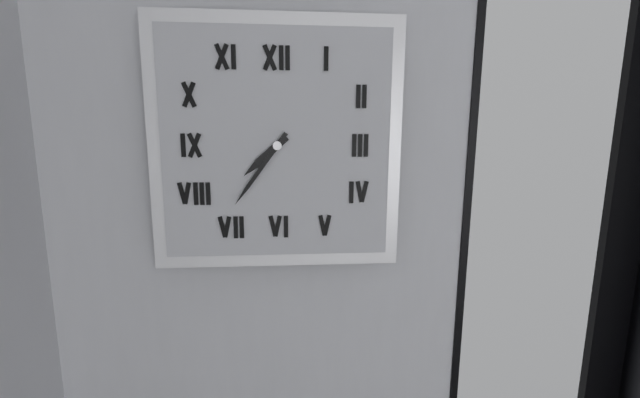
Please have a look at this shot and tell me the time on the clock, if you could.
7:36
